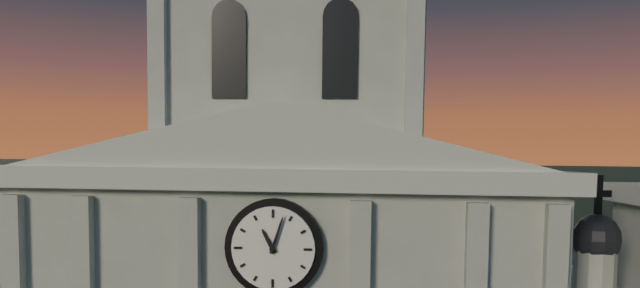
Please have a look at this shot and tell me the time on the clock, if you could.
11:03
